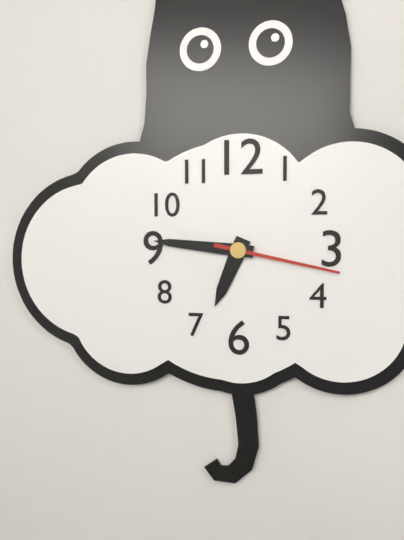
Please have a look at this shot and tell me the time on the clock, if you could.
6:46:17
